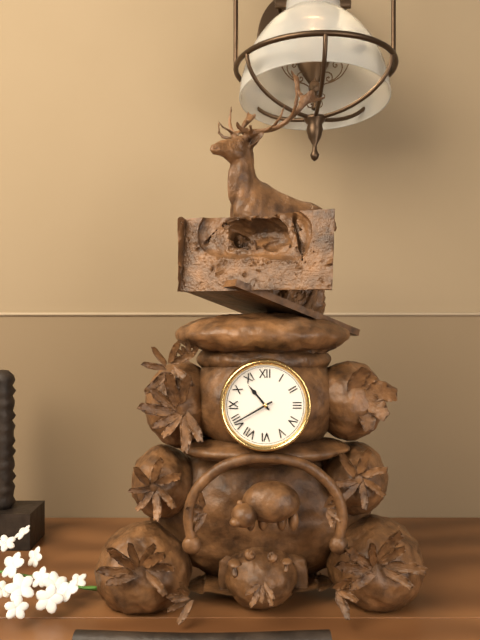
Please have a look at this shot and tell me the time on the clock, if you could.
10:40
